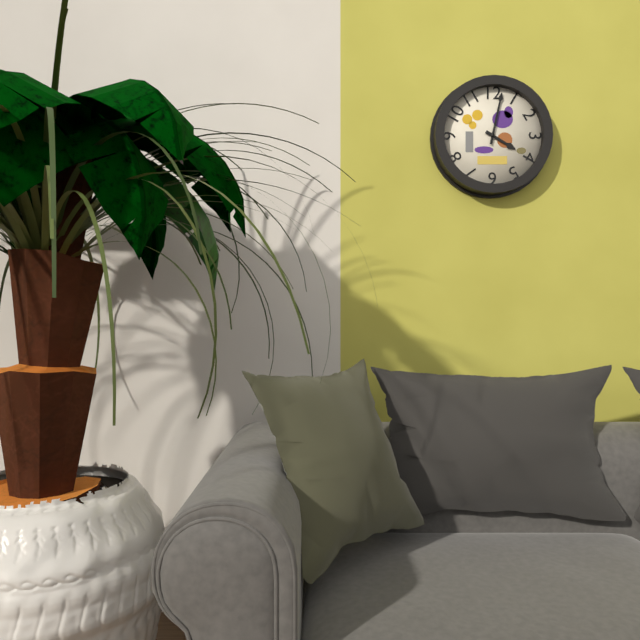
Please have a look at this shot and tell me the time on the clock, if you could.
4:02
